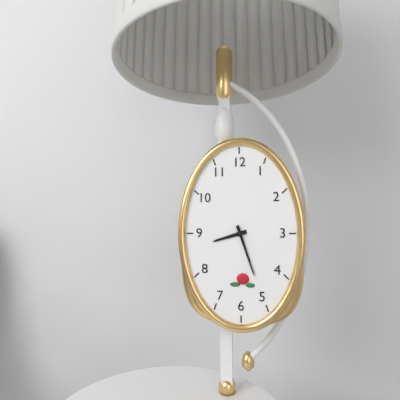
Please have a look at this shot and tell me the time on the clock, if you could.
8:27
